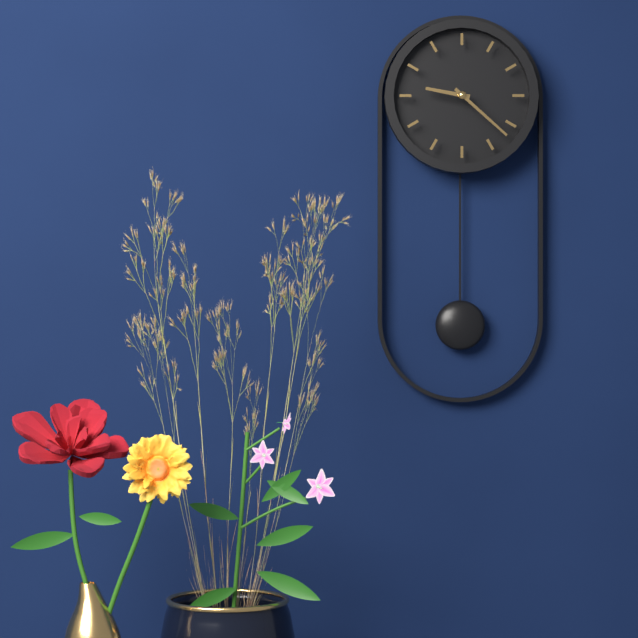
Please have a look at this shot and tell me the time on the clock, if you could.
9:22
